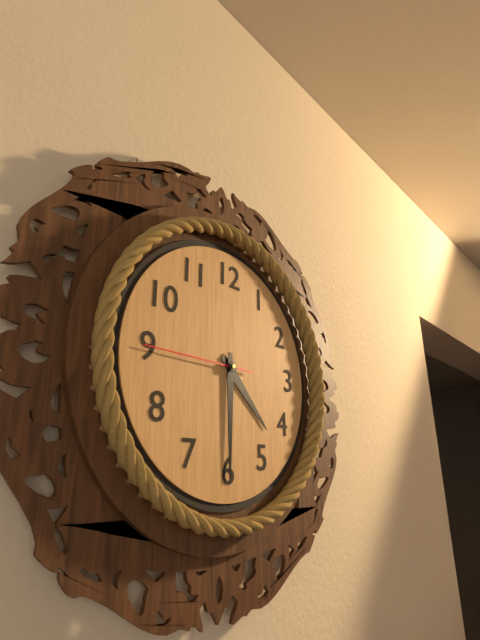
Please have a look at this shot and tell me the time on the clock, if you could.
4:30:45
